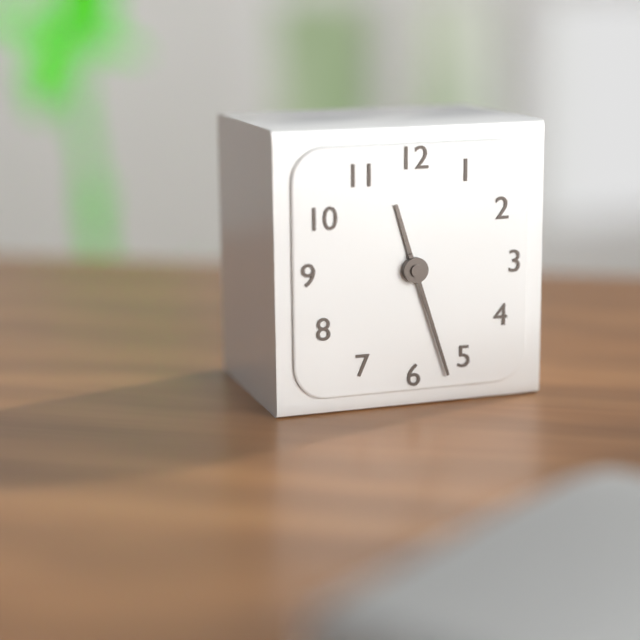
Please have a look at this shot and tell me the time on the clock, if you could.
11:27
